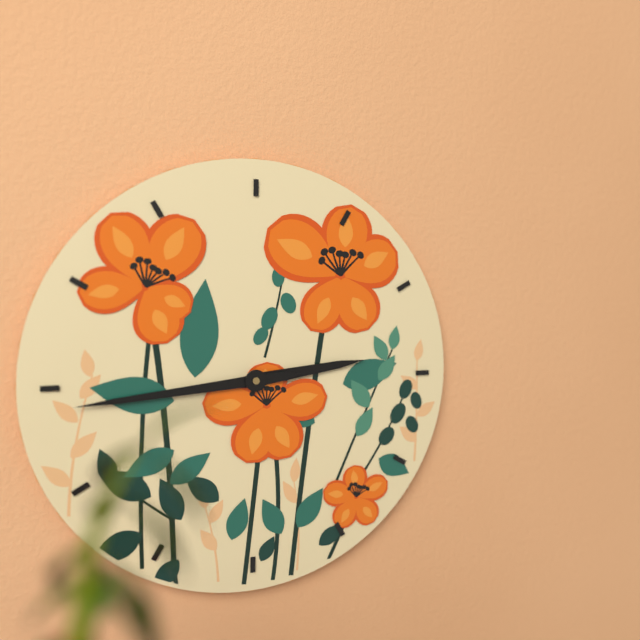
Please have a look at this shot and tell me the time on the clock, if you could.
2:44
